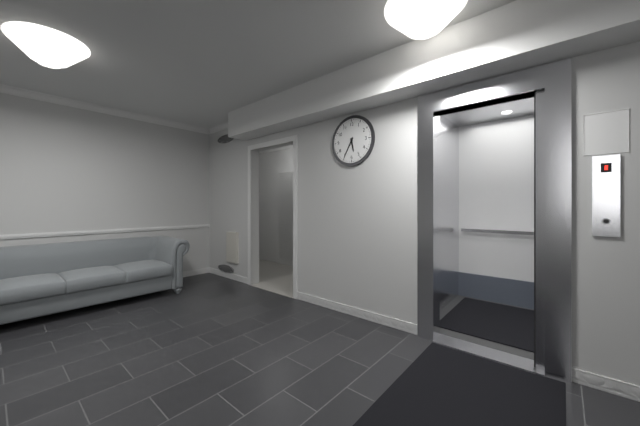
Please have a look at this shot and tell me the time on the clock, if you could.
5:35
